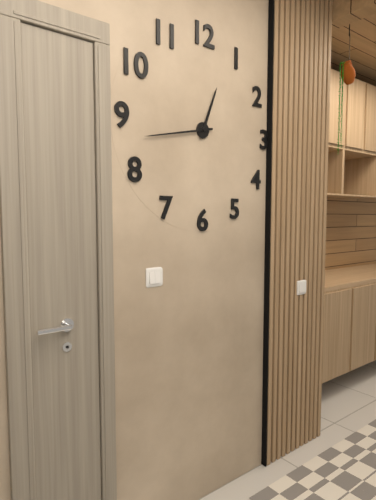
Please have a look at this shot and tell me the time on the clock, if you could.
12:43
